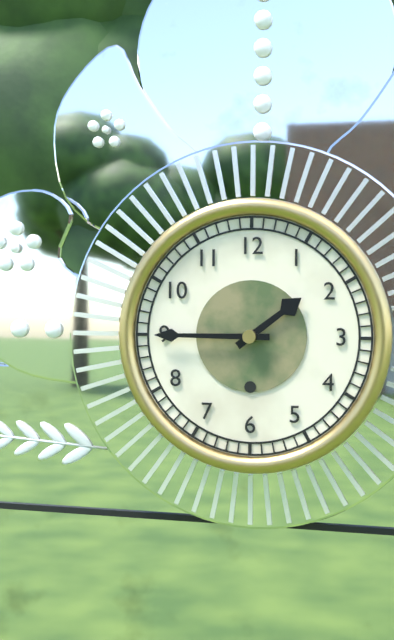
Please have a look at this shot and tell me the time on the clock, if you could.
1:45
